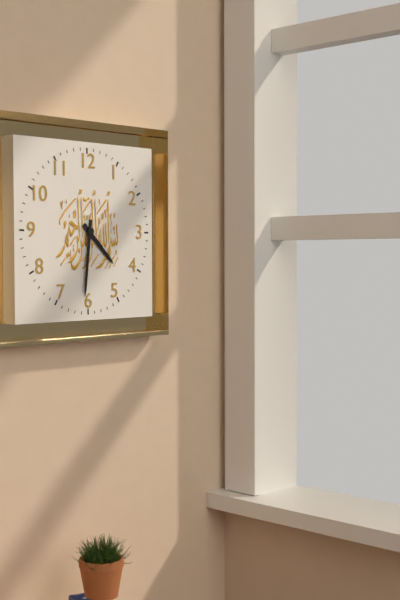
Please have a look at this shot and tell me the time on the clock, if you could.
4:31
